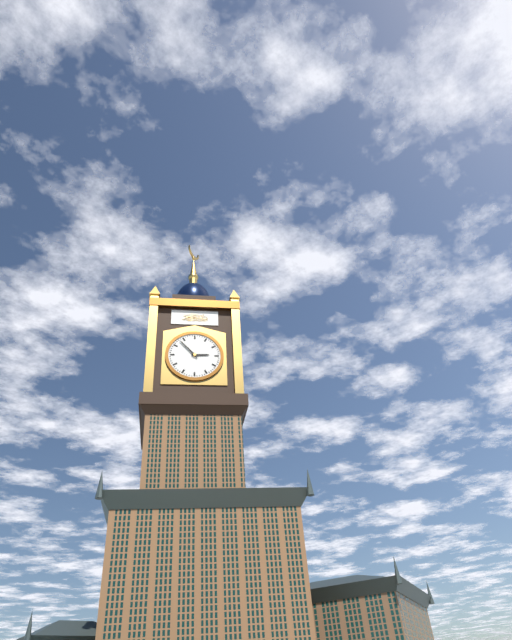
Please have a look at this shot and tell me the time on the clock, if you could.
2:53
